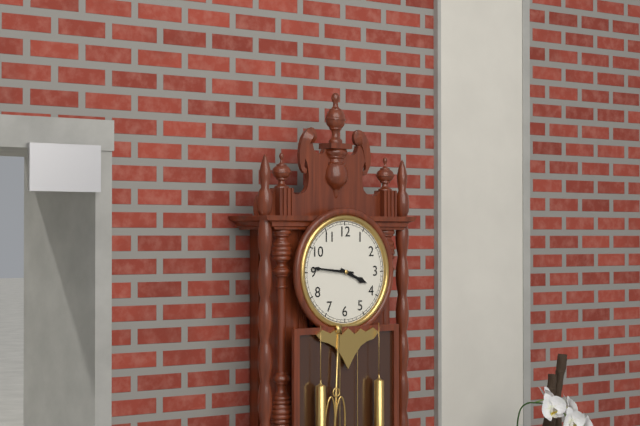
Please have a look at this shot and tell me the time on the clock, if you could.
3:46
